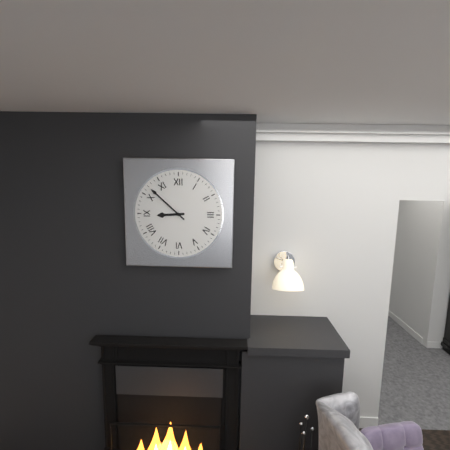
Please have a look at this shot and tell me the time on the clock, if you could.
8:52
